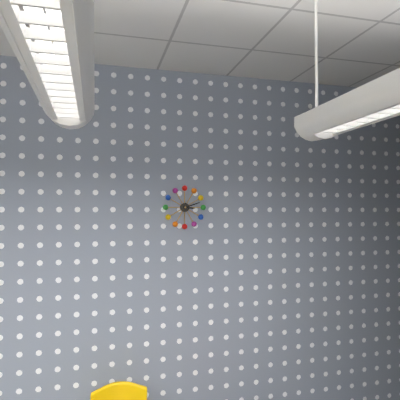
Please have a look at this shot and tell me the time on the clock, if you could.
3:12
